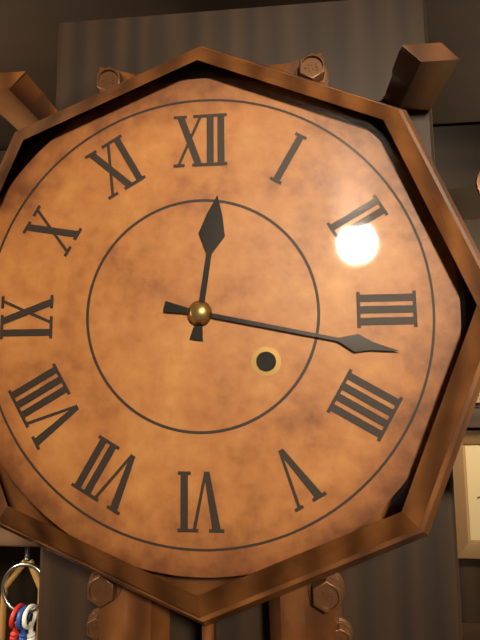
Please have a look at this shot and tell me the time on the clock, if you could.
12:17
